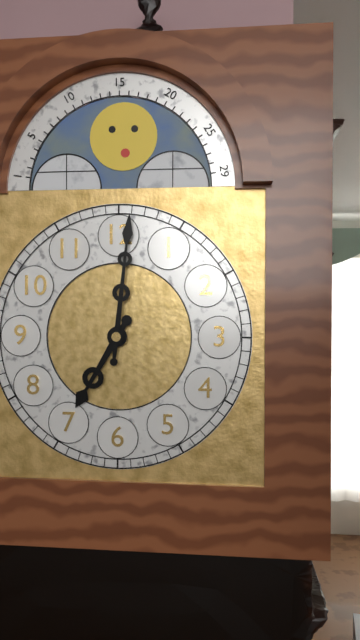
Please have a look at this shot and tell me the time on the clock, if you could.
7:01
